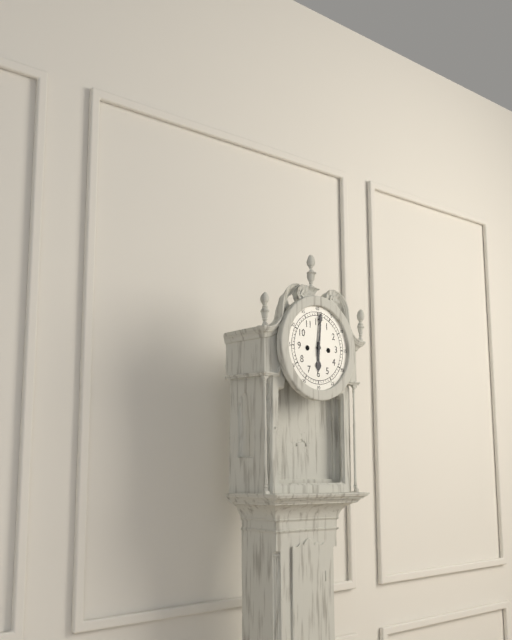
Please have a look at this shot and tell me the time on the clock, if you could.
6:01
